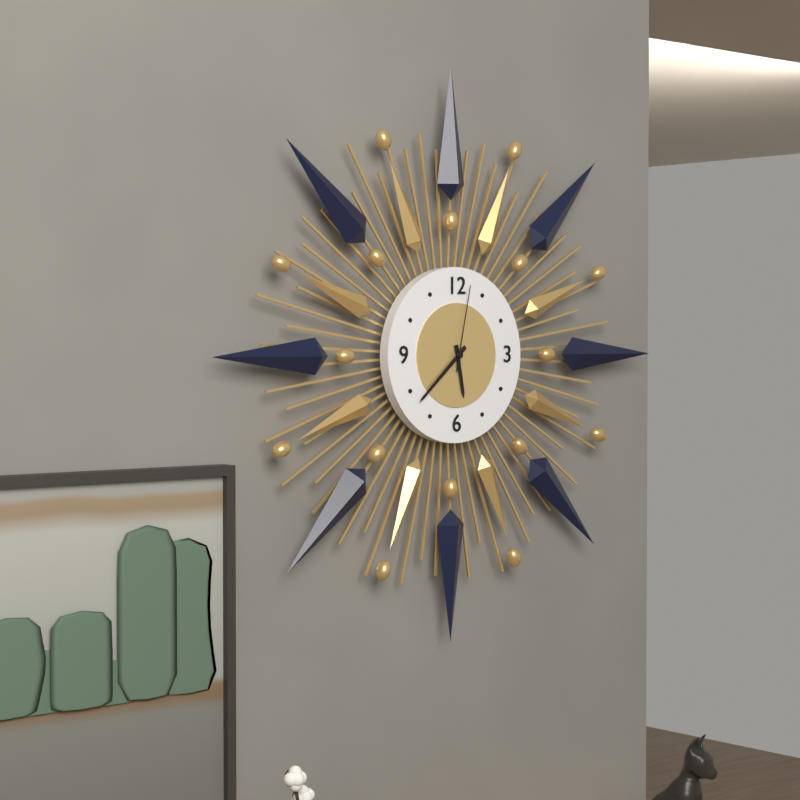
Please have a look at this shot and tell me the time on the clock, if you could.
5:38:02
